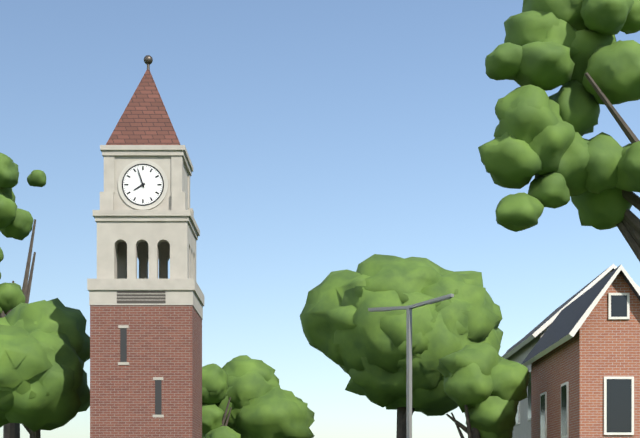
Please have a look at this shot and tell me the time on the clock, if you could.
7:57
